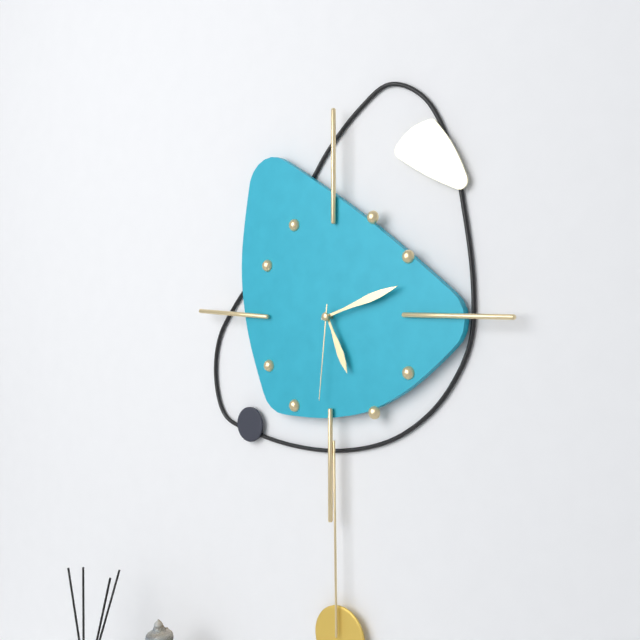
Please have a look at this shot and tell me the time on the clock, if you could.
5:12:31
